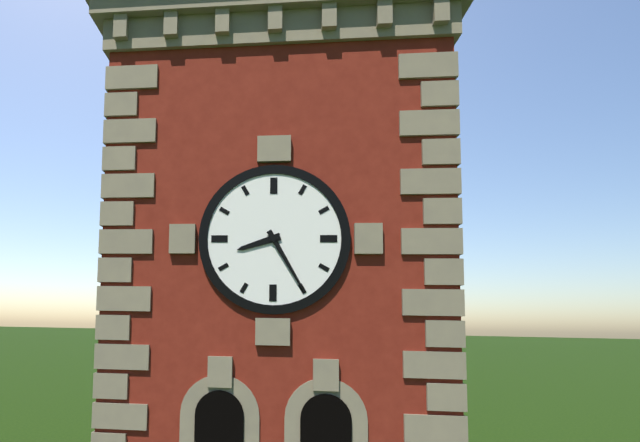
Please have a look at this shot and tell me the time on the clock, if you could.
8:25
